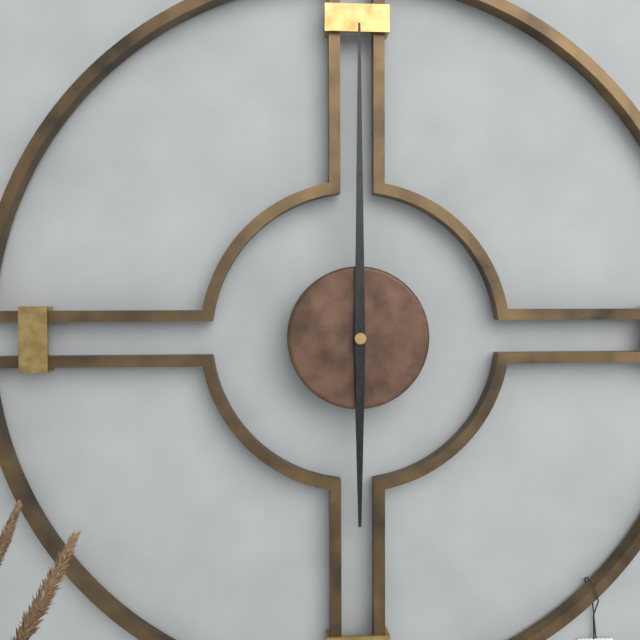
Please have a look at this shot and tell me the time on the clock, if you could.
6:00
